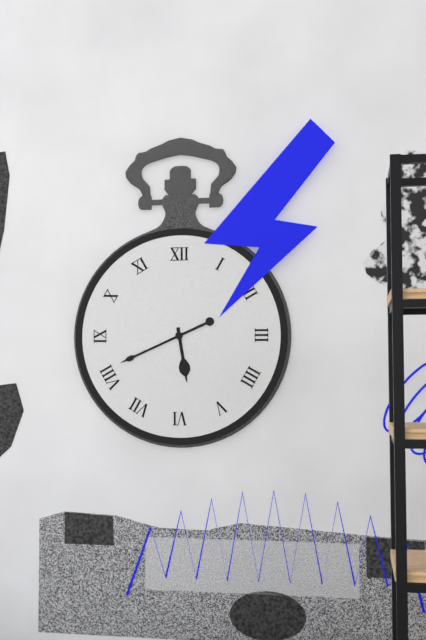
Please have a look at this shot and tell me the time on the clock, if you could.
5:41
